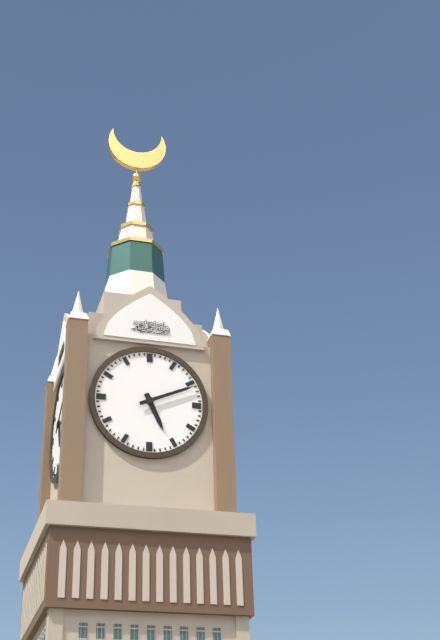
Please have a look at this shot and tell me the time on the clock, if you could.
5:11
